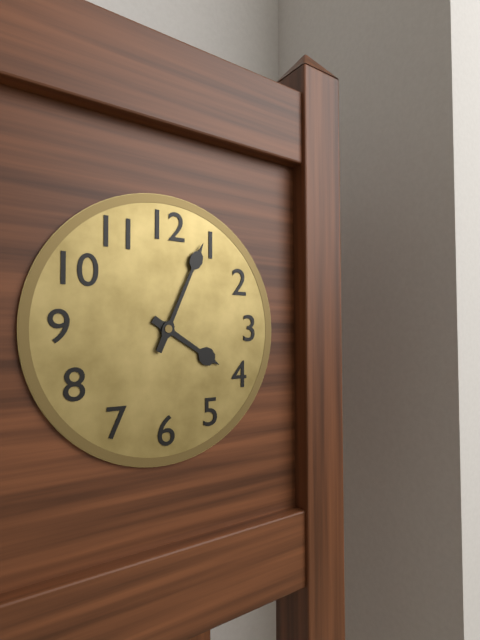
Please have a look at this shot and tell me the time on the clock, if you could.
4:04
